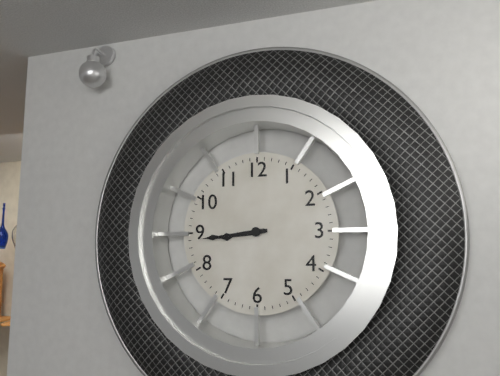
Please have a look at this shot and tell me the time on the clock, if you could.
8:44
